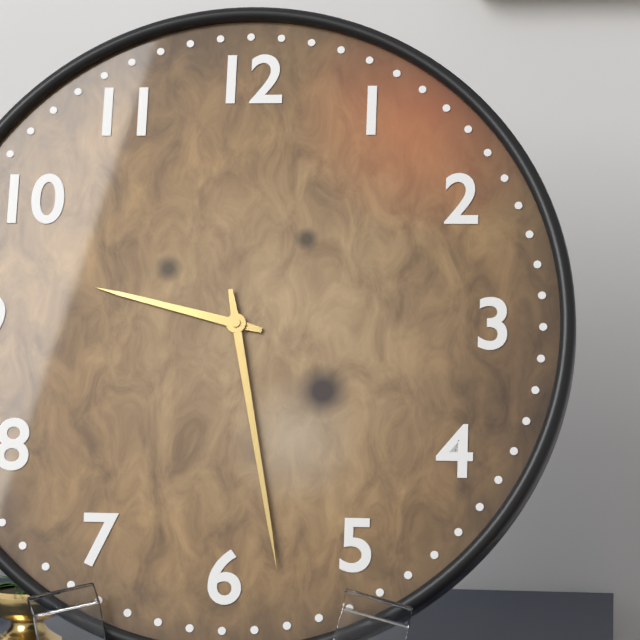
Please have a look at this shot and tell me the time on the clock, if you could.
9:28
